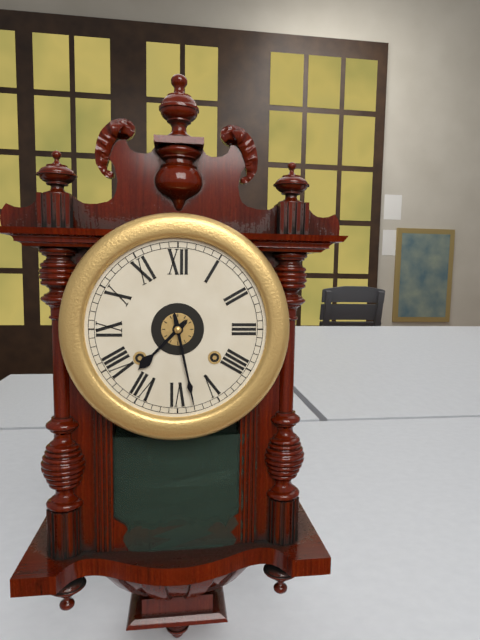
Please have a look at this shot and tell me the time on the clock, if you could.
7:28
